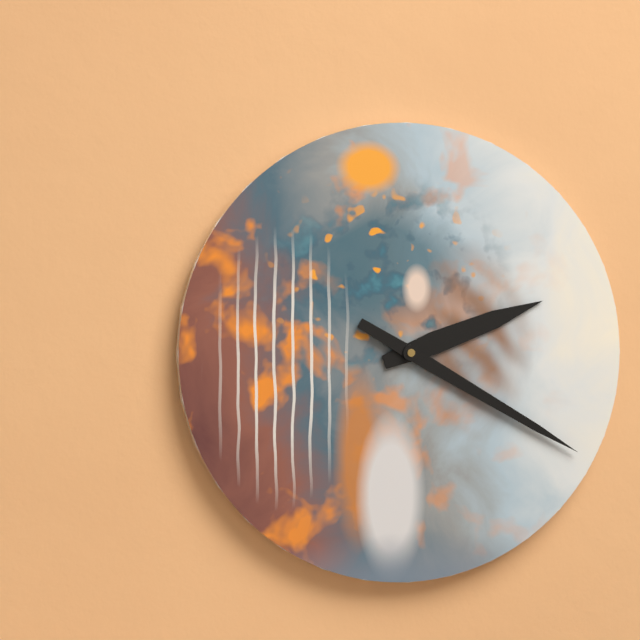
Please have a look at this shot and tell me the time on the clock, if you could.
2:20
